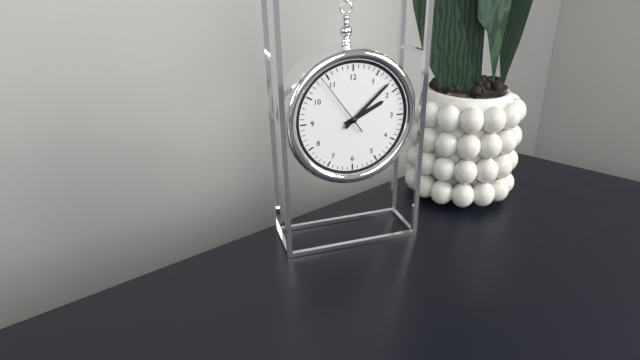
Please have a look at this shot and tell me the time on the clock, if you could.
2:08:54
